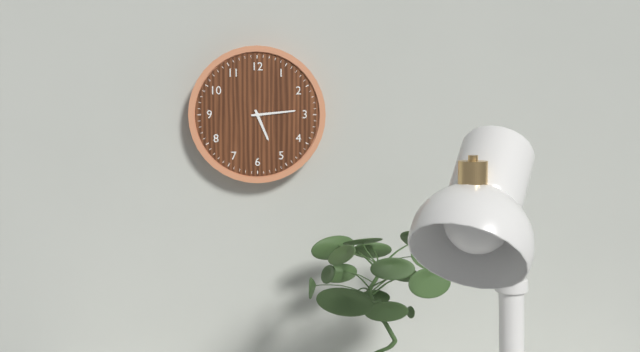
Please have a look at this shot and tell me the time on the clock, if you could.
5:14
